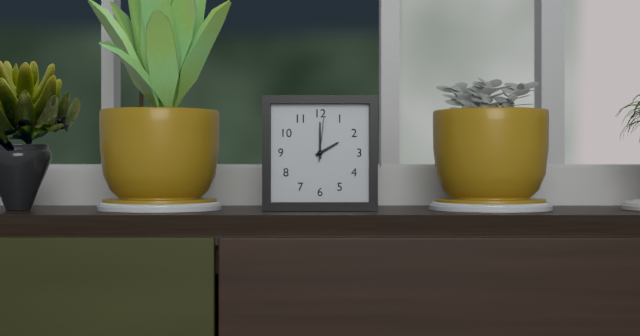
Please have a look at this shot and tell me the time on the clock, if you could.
2:00
